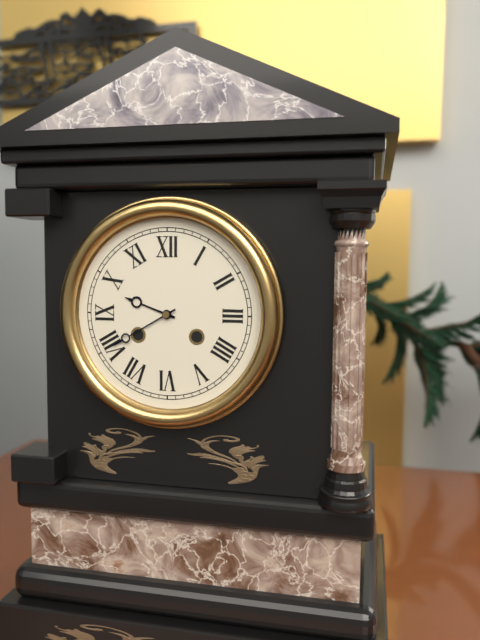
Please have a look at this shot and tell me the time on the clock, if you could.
9:40
